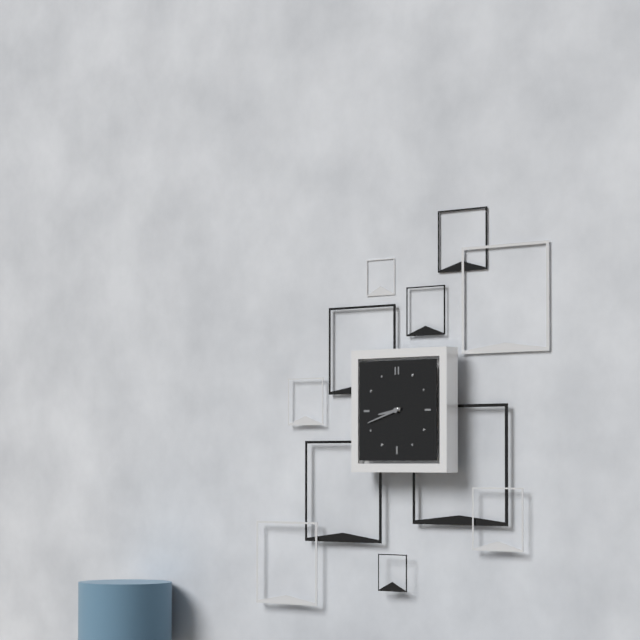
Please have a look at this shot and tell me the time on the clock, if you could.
8:42
